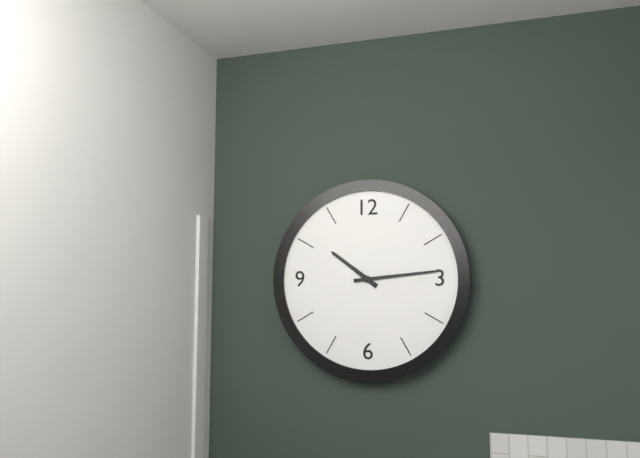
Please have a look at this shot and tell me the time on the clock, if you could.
10:14
